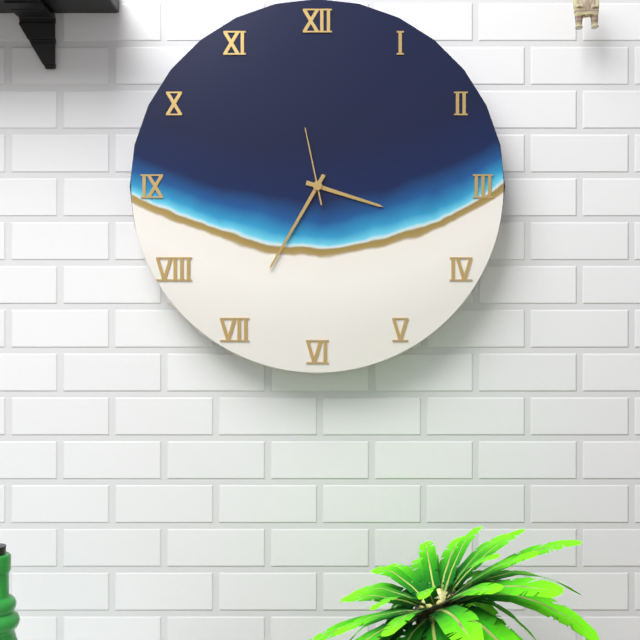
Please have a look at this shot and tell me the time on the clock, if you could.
3:35:58
